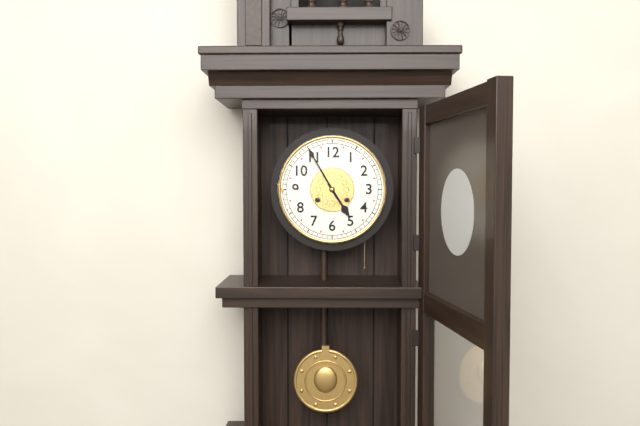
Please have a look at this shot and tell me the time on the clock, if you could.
4:55
